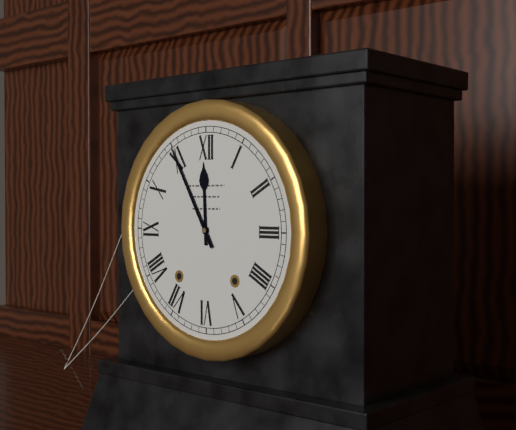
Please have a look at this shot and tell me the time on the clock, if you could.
11:55
